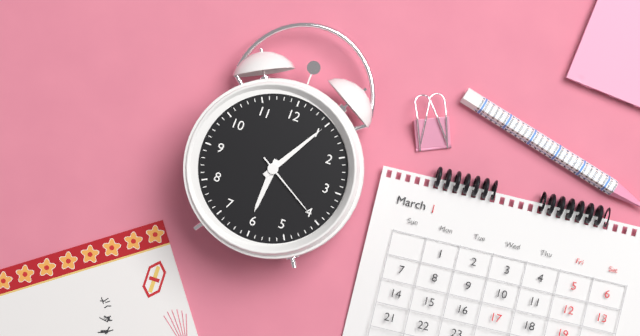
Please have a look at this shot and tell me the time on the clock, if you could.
6:05:20
